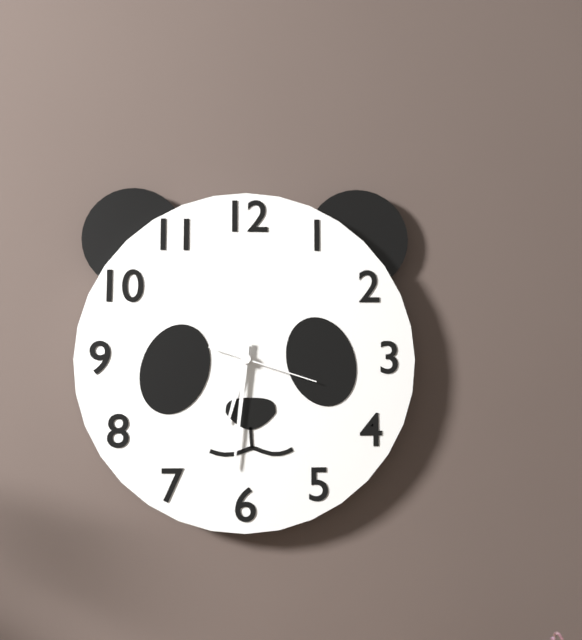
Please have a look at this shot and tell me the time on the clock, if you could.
6:31:18
